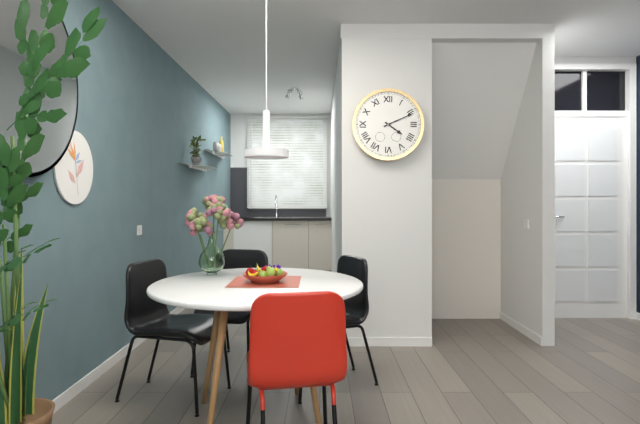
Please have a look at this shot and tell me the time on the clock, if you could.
4:11
